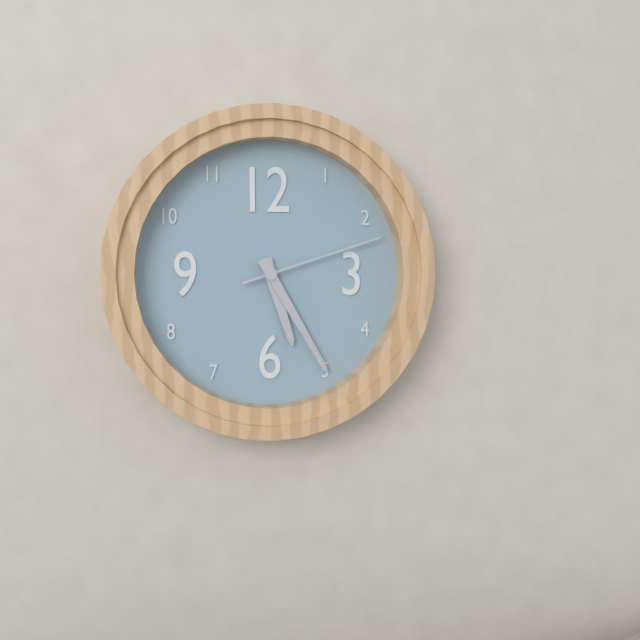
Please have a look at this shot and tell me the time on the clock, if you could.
5:25:12
